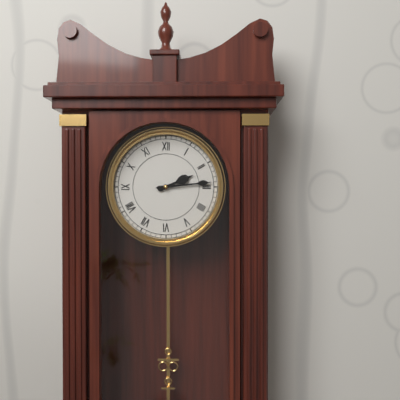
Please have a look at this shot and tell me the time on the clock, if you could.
2:14
